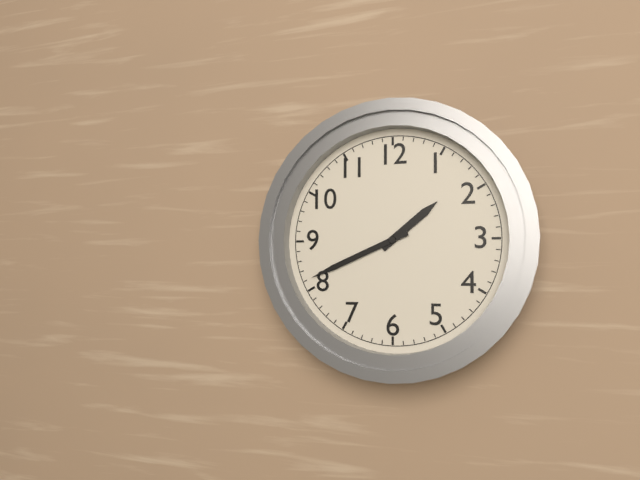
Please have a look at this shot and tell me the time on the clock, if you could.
1:41
